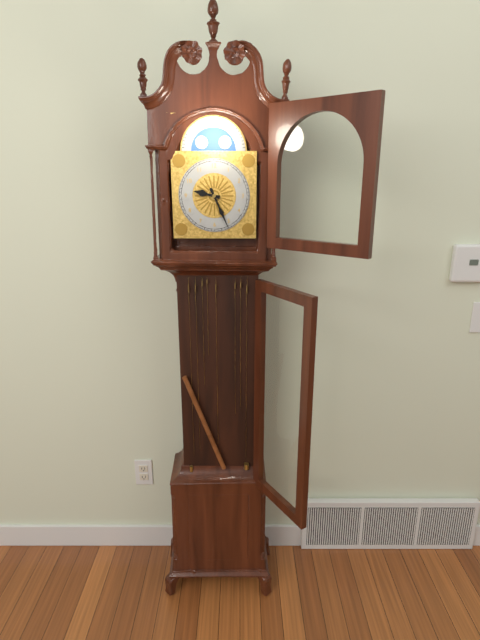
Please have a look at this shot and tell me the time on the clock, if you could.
9:26
